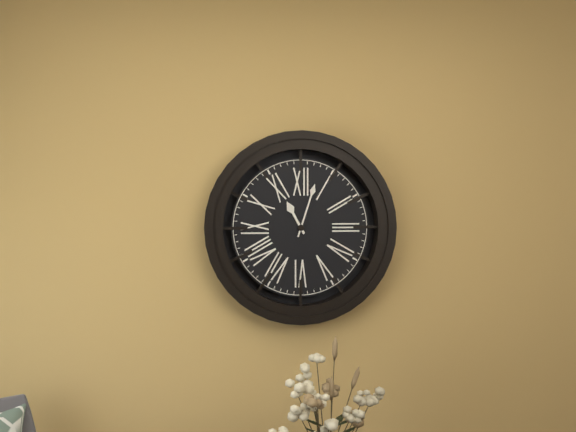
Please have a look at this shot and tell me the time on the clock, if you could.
11:03
